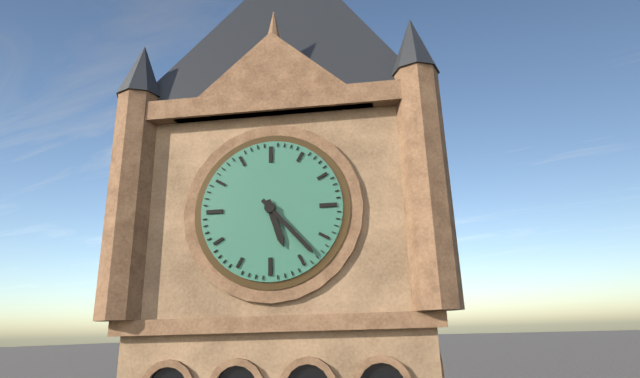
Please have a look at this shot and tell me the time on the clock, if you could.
5:23
